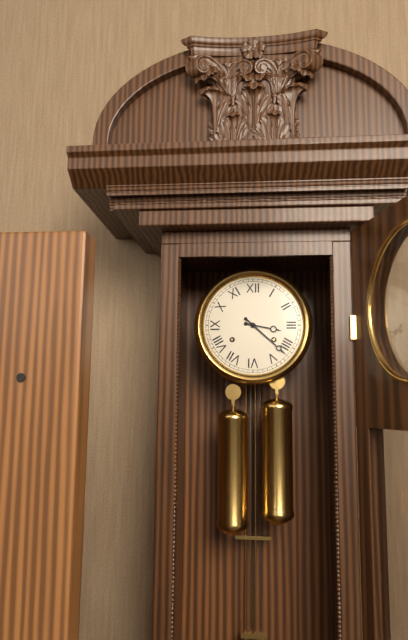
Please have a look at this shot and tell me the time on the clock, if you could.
3:22
